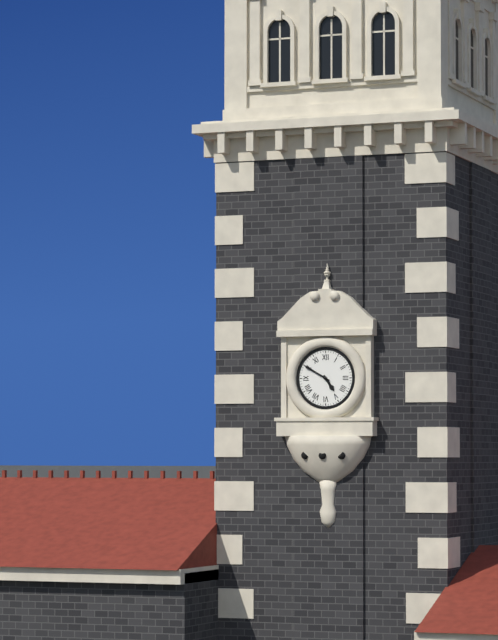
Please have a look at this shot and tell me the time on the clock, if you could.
4:50
